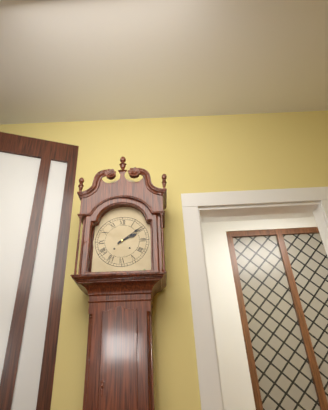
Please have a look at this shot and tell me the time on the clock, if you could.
2:09
